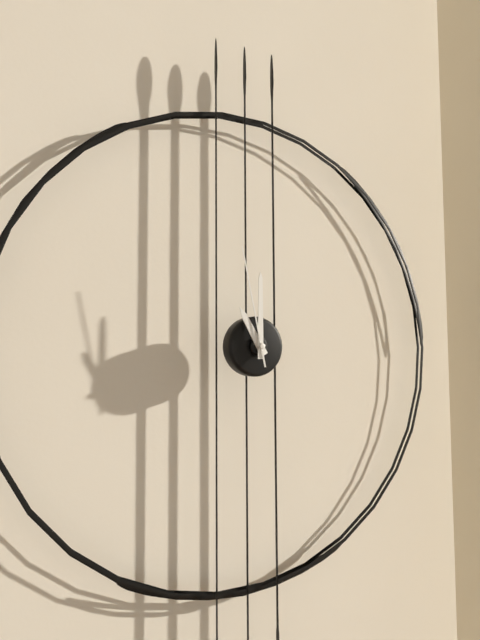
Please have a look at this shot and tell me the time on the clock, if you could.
11:00:58
